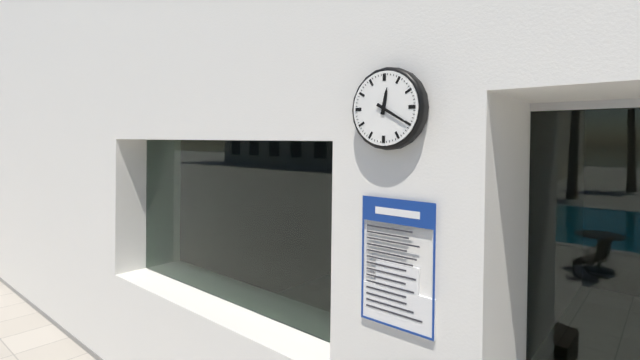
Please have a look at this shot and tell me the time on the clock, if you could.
12:20
